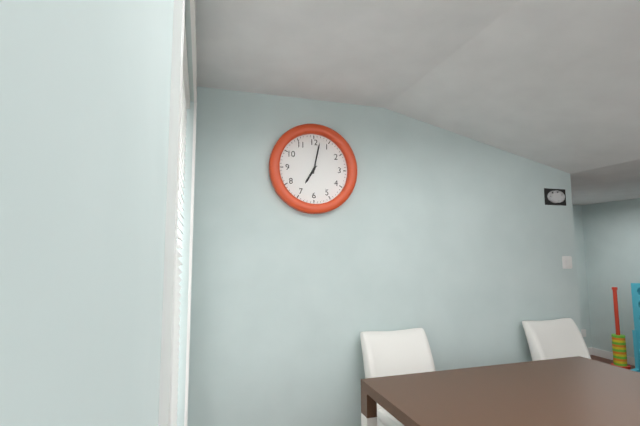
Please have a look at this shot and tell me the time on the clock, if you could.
7:02
